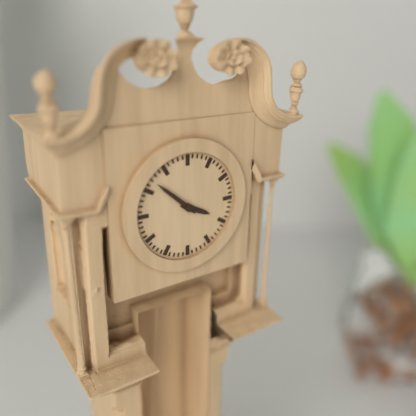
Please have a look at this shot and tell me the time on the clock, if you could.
3:52
